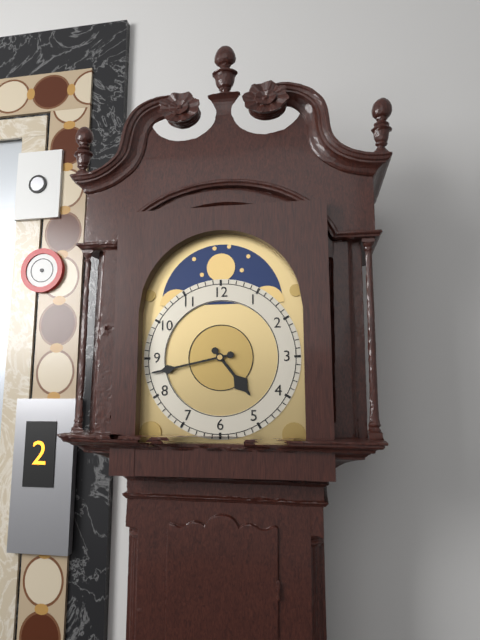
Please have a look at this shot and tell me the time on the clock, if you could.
4:43
